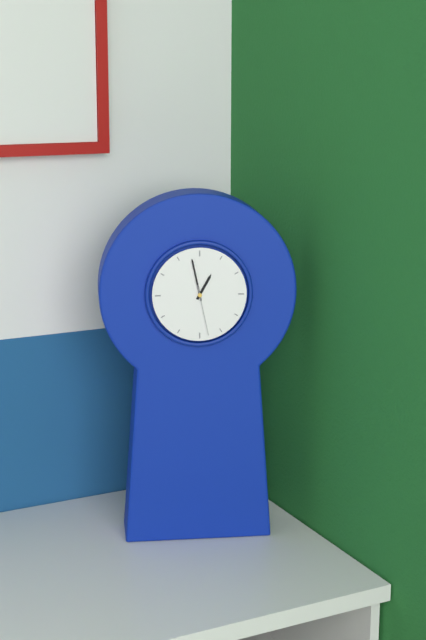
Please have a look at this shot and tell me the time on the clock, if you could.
12:58:28
